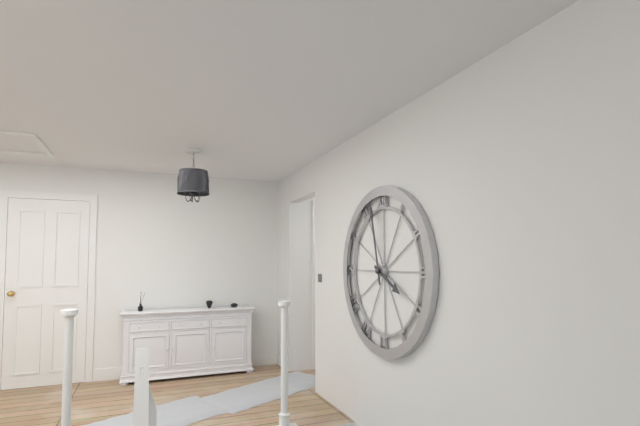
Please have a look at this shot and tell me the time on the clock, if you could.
3:58
